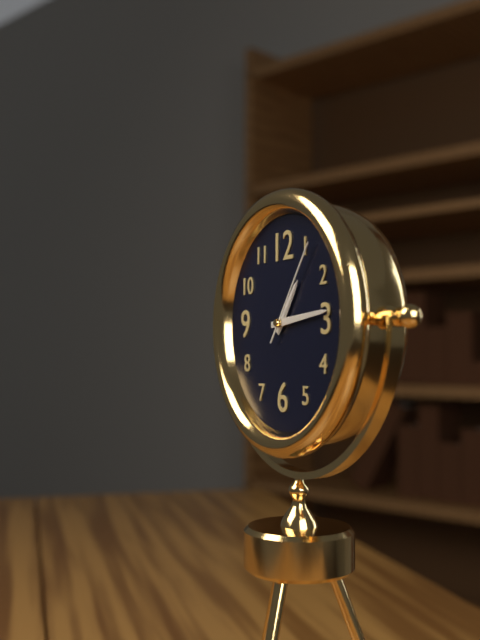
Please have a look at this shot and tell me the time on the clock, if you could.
1:14:06
